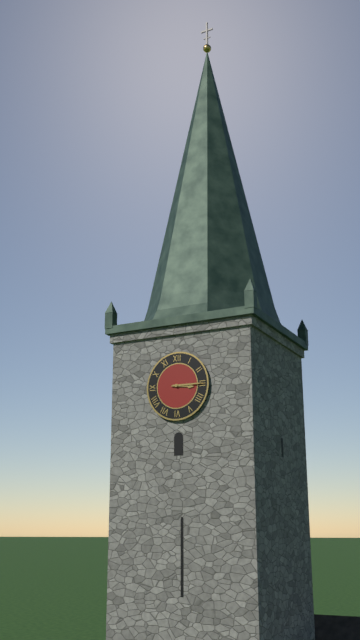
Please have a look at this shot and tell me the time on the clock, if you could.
3:15
